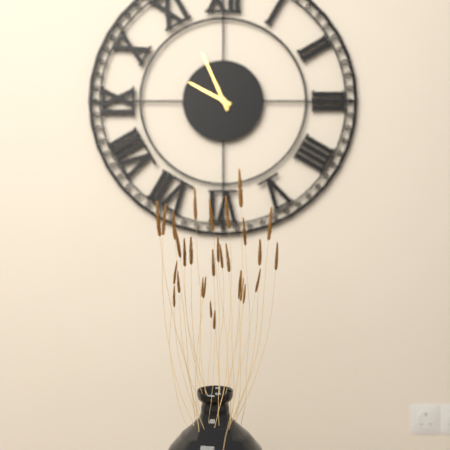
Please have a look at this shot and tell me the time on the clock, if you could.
9:56
